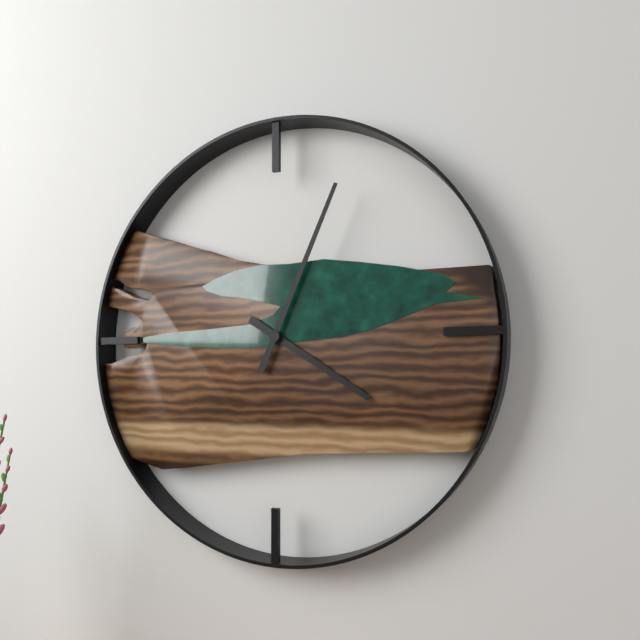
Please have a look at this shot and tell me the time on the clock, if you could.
4:04
